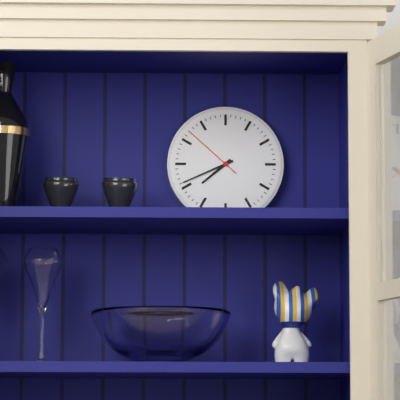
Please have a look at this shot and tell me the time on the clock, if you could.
7:41:52
